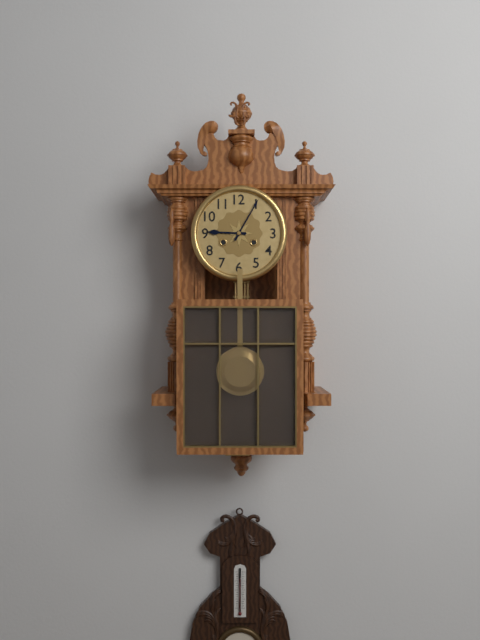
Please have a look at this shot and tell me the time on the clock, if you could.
9:05
